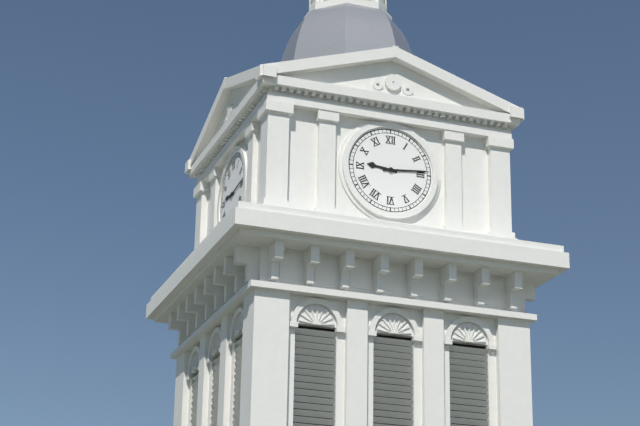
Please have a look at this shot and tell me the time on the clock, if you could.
9:14
